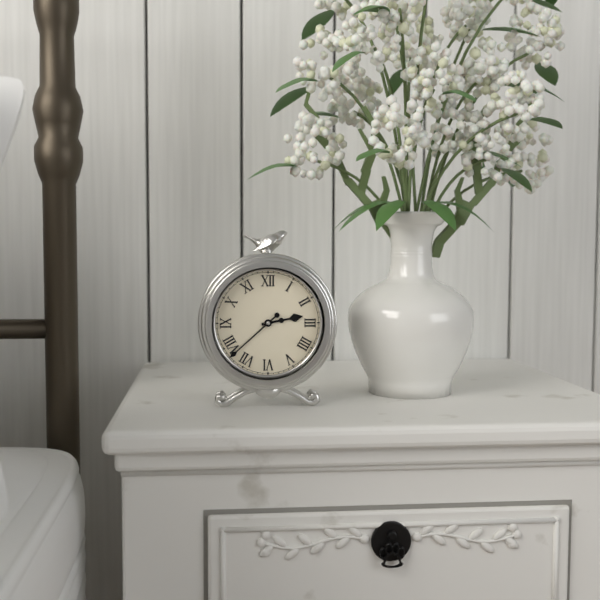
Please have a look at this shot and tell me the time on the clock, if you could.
2:38
